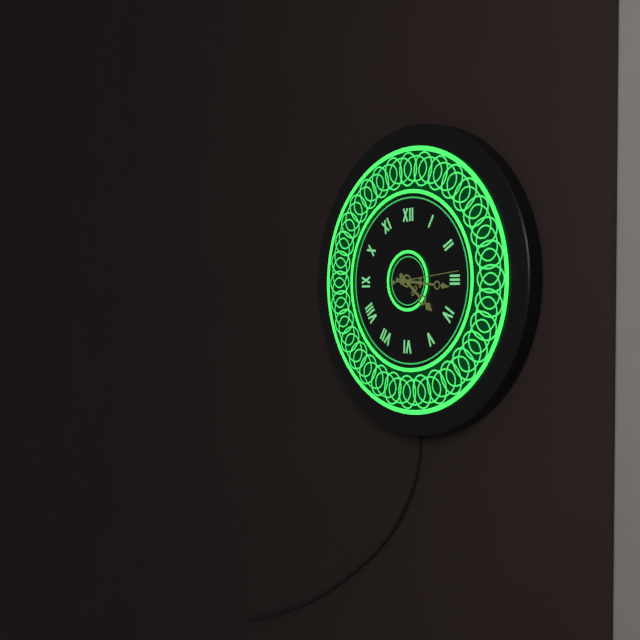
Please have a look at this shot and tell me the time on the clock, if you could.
4:16:14
